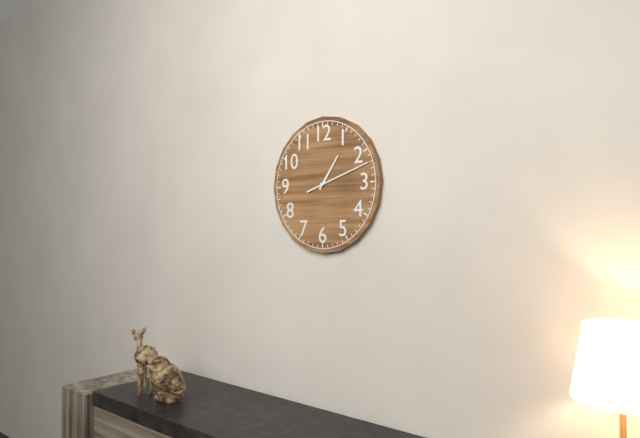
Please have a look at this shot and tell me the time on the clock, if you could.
1:12
